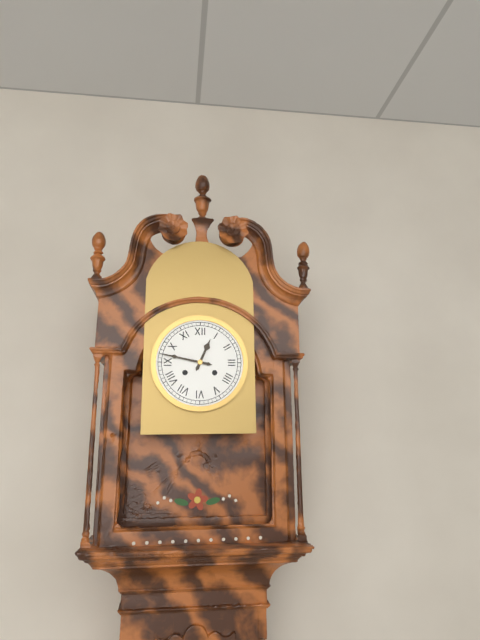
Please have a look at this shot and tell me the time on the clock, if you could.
12:47
